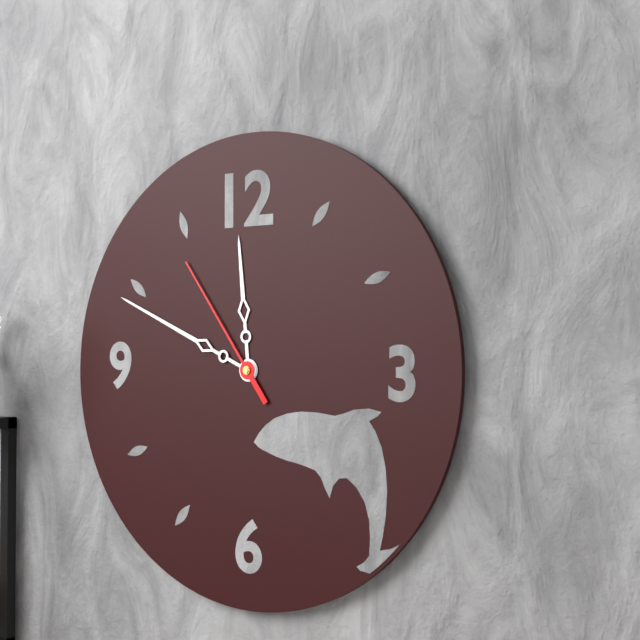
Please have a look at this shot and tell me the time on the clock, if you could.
11:49:54
